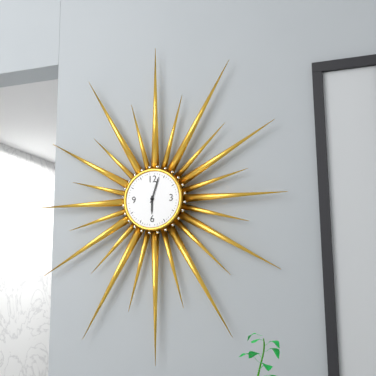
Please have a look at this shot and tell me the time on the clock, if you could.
6:03
